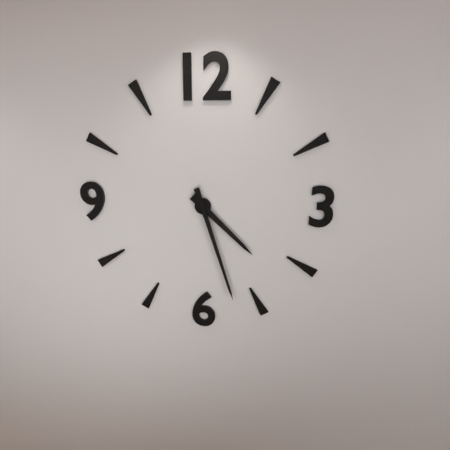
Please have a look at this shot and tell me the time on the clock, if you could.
4:27
